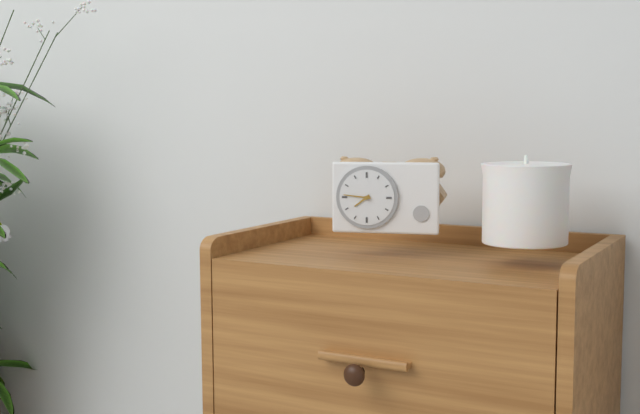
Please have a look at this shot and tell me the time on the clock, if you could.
7:46
